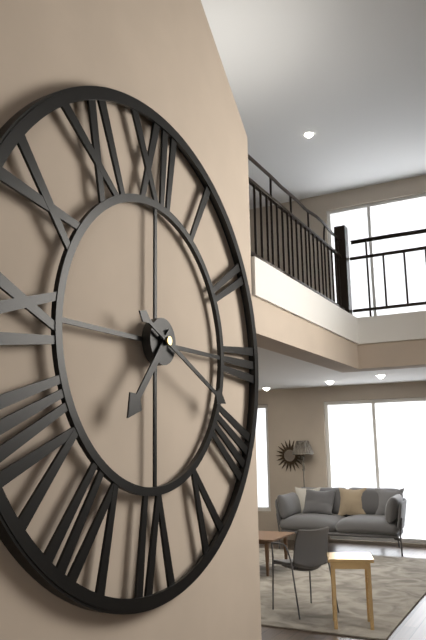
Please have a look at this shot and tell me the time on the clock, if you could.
7:19
